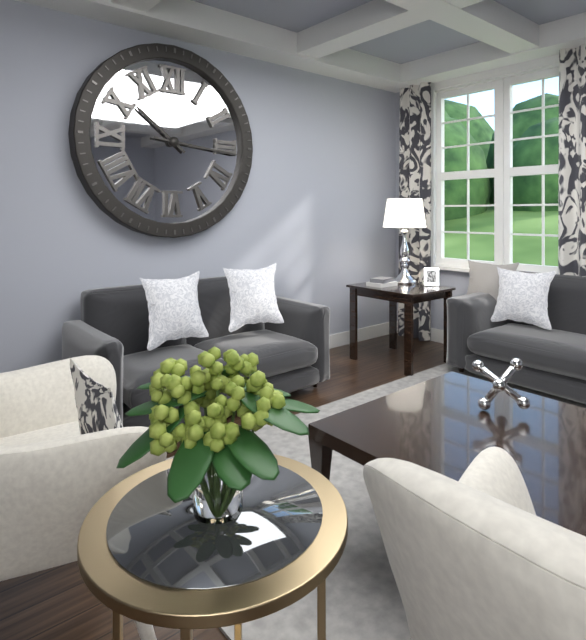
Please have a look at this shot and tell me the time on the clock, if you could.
10:16
